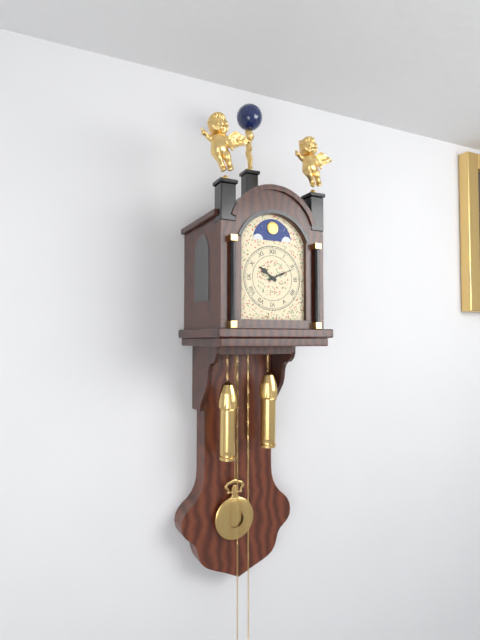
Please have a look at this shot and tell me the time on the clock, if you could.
10:11
